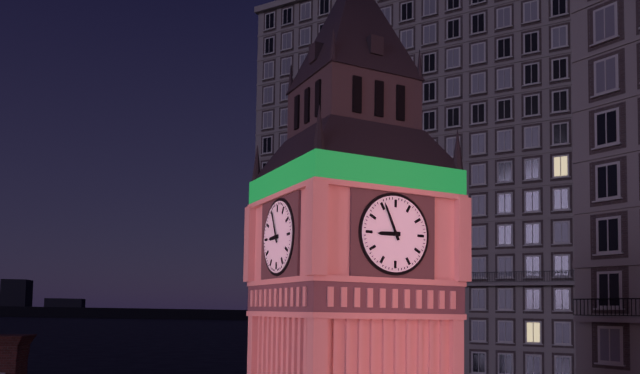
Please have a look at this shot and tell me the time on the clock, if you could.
8:56
